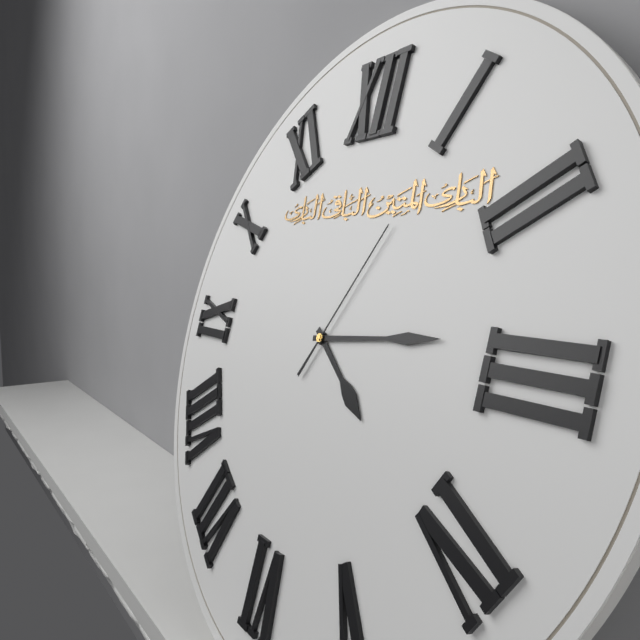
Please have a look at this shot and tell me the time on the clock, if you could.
4:14:05
